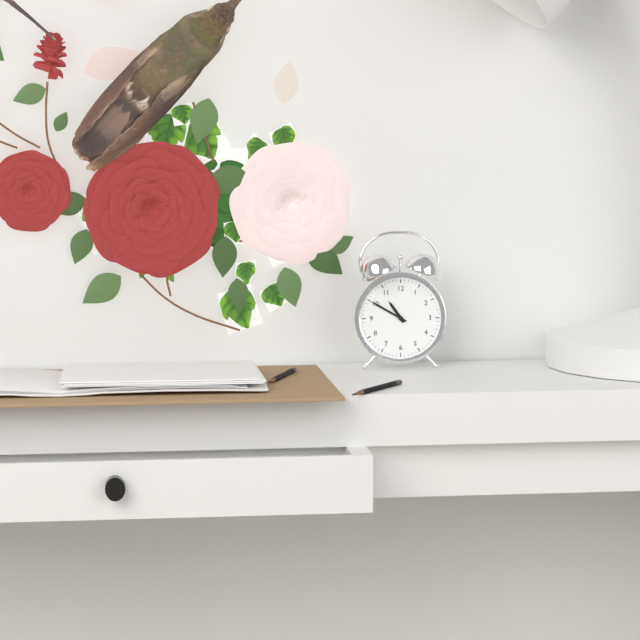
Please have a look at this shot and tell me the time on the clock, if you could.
10:50
